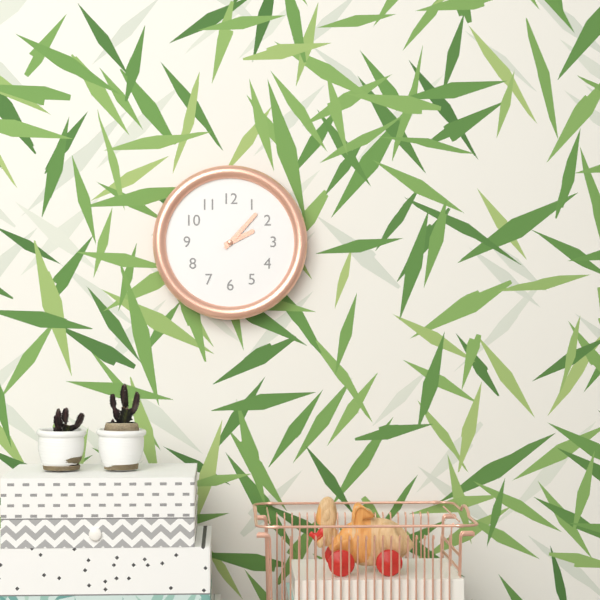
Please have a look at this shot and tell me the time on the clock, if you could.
2:07
